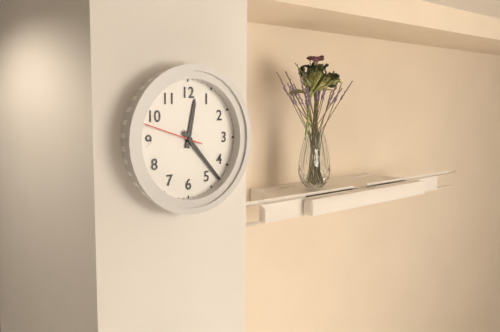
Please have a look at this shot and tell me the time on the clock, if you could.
12:23:48
